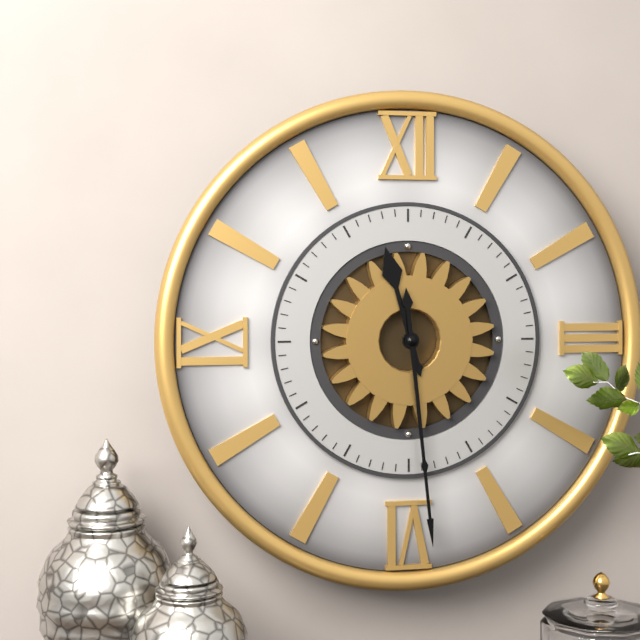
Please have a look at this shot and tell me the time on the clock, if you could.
11:29
